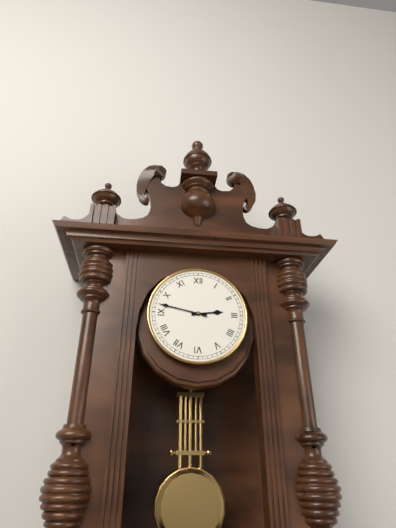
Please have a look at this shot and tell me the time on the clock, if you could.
2:47
